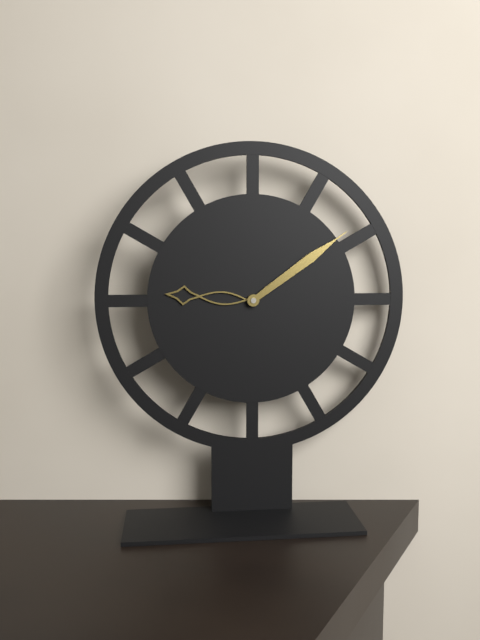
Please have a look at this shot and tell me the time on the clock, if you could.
9:09
